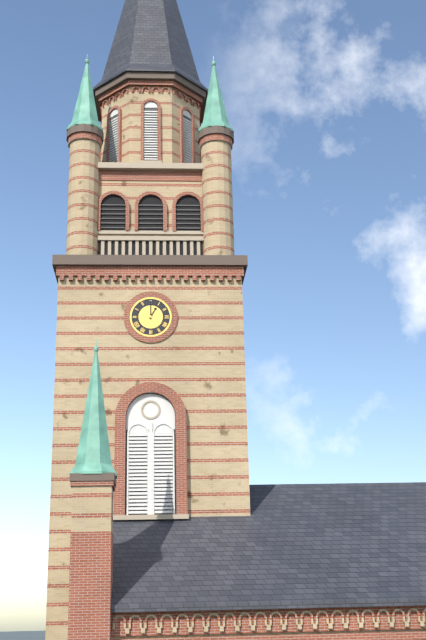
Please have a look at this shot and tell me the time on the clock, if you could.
1:00
